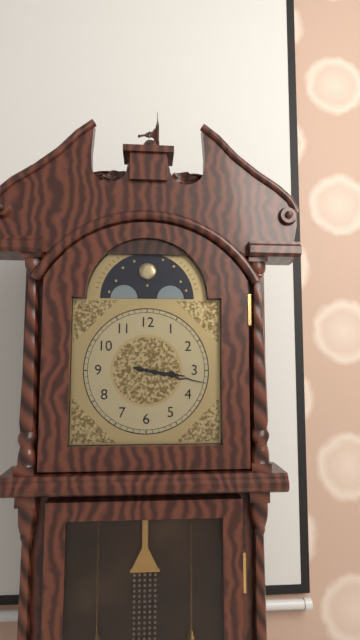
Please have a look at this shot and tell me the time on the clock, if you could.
3:17
